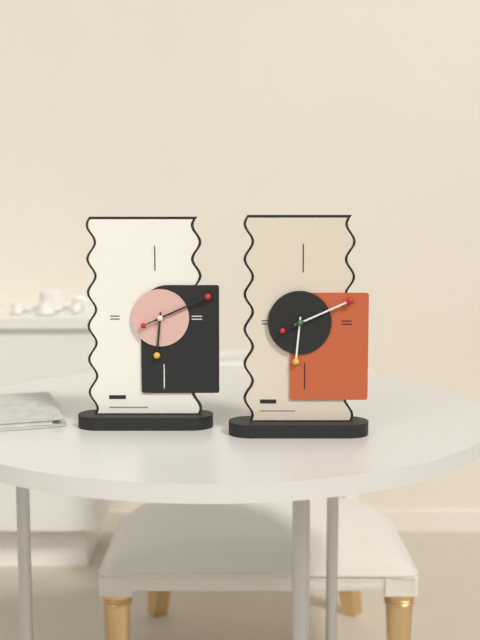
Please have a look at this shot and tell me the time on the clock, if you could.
6:11
